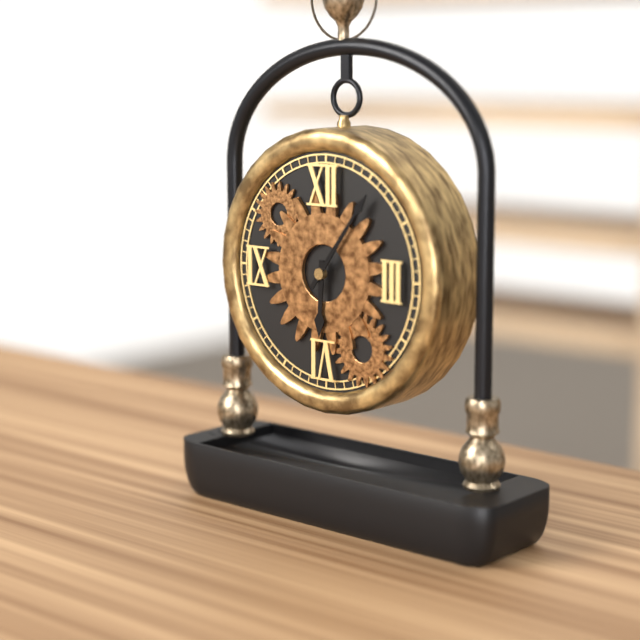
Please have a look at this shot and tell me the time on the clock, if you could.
6:06
